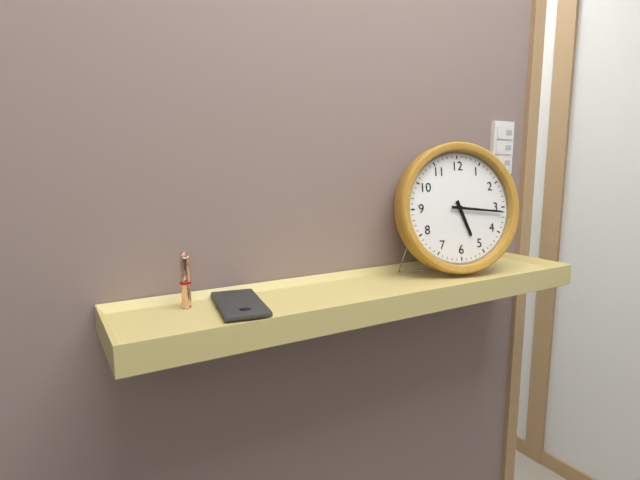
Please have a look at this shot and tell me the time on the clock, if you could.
5:16
